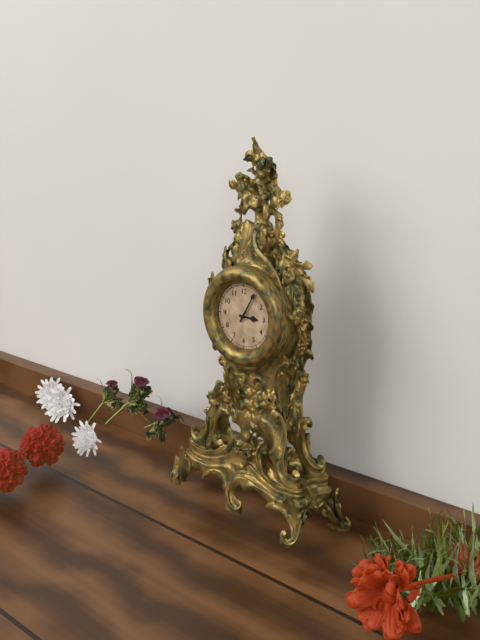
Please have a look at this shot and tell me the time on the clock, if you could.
3:05
